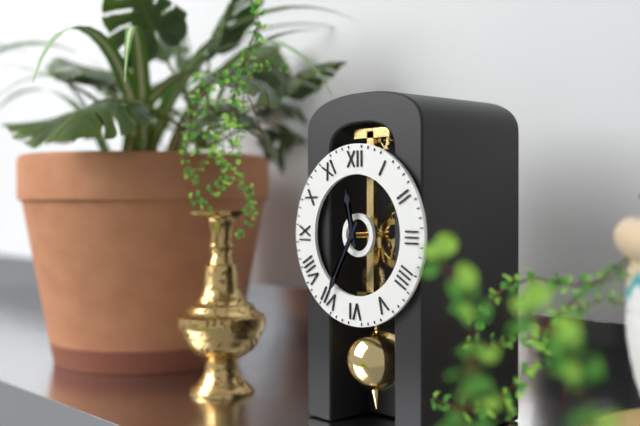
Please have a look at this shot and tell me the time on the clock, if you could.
11:35
